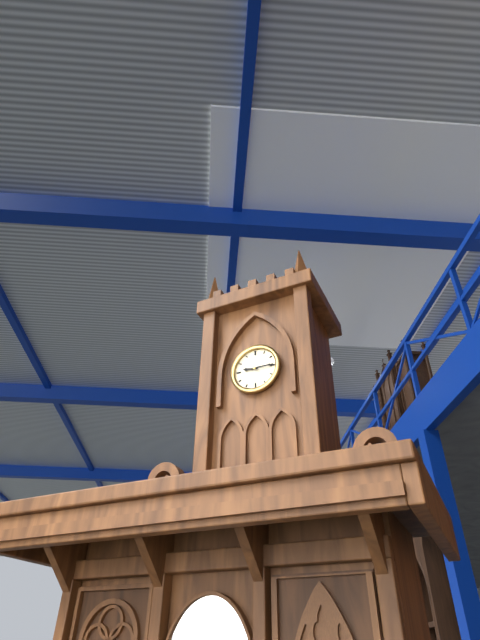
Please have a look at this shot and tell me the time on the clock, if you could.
9:15
